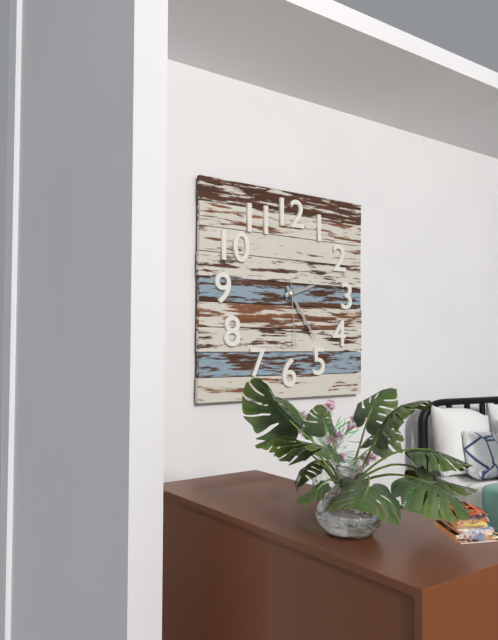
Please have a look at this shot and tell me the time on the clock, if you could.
2:24:29
